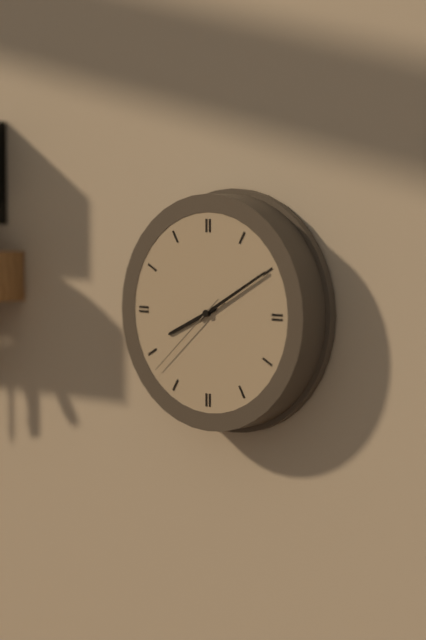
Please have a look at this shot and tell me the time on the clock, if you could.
8:10:38
